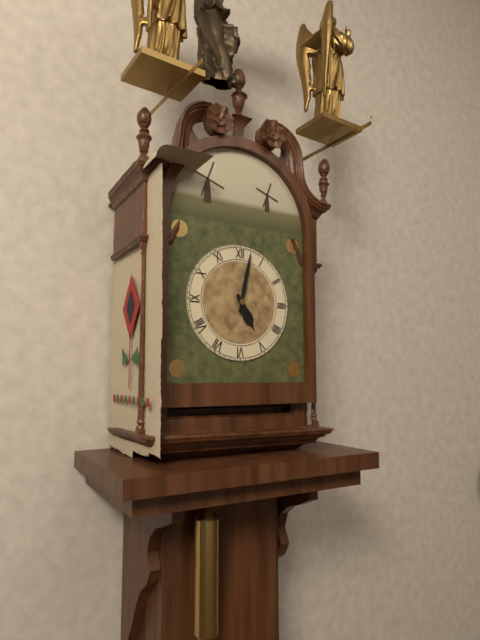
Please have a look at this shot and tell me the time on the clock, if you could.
5:02
